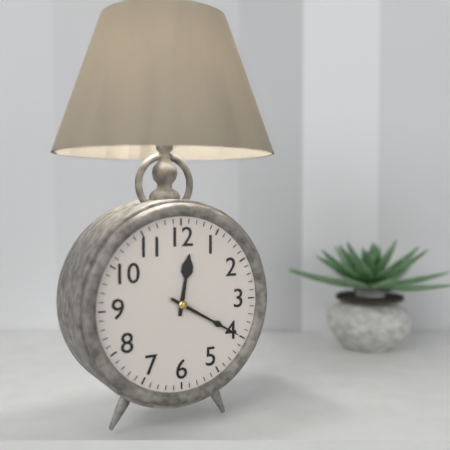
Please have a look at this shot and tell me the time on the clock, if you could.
12:20
